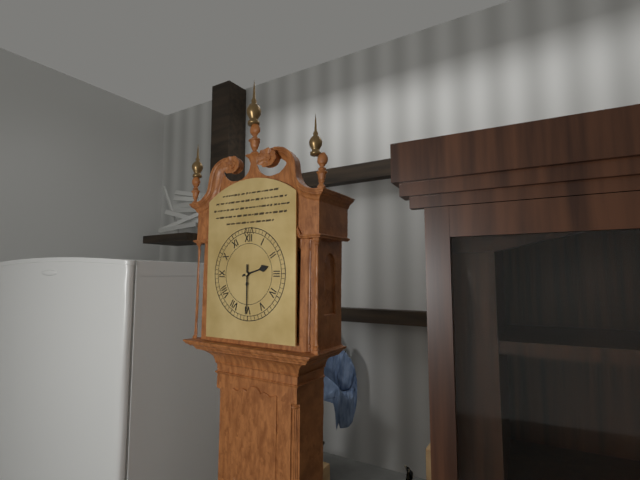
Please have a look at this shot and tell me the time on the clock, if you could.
2:30
